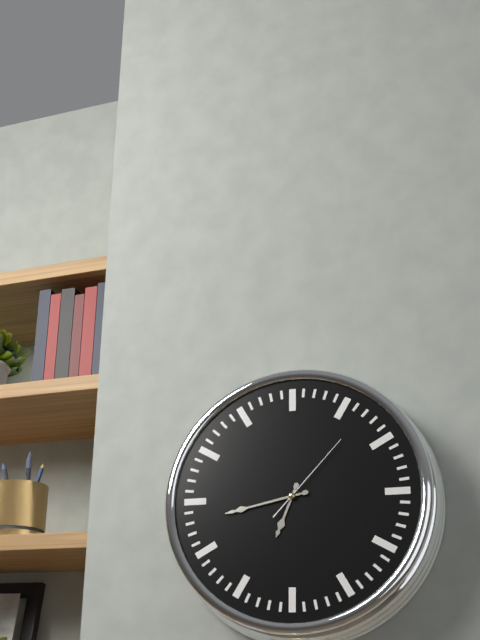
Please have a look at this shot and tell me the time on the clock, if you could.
6:43:07
